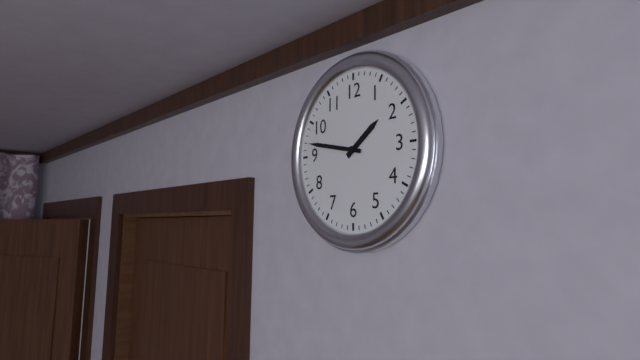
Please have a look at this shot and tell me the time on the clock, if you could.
1:47
